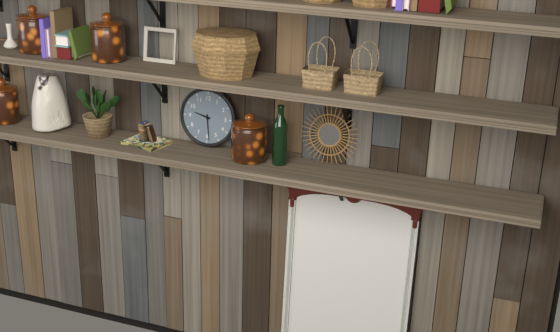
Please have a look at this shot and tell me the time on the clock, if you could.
9:29
